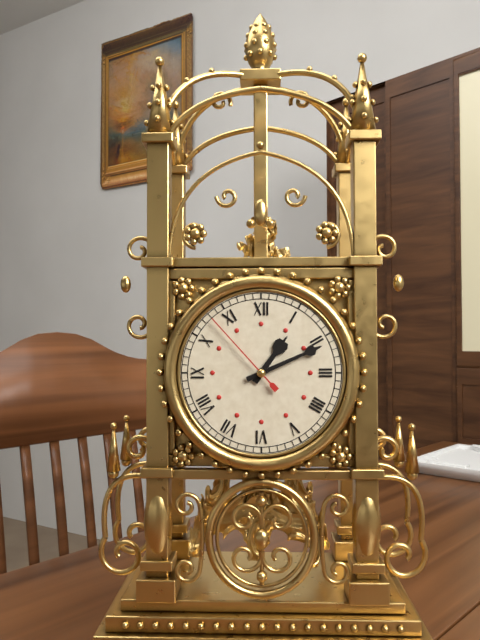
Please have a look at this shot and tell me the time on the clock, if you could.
1:11:53
